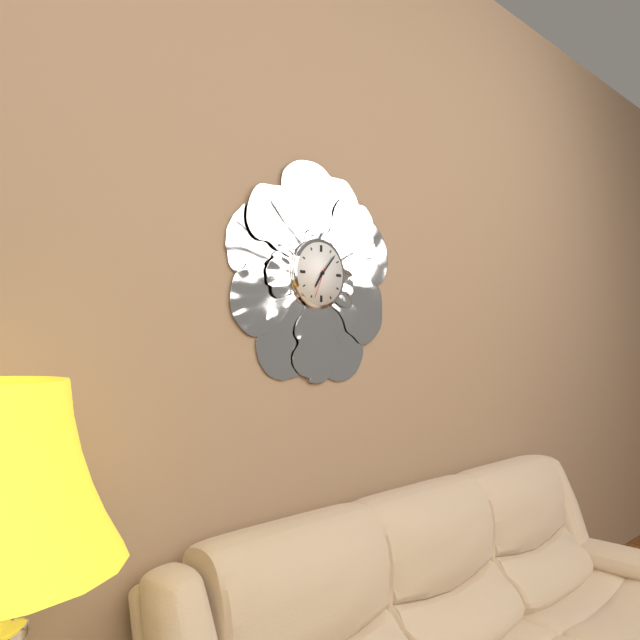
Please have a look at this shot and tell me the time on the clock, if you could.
7:07
